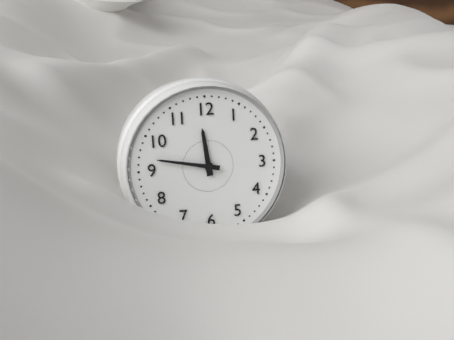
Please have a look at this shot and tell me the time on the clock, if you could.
11:47
